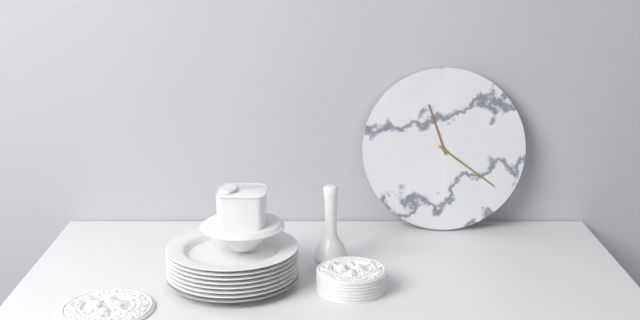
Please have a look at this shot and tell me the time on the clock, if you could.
11:21
